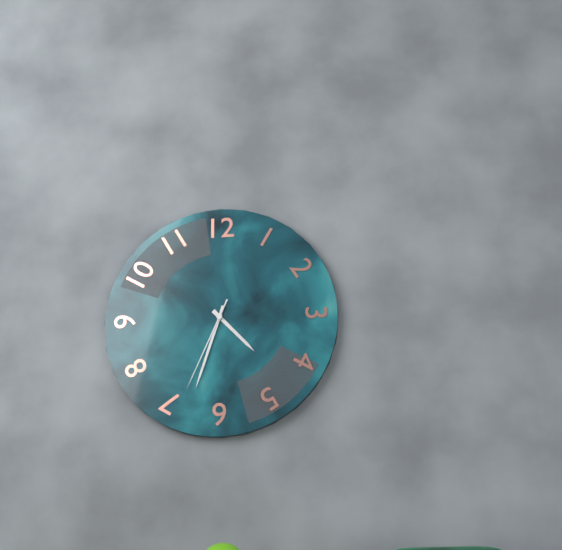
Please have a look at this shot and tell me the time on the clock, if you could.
4:33:34
